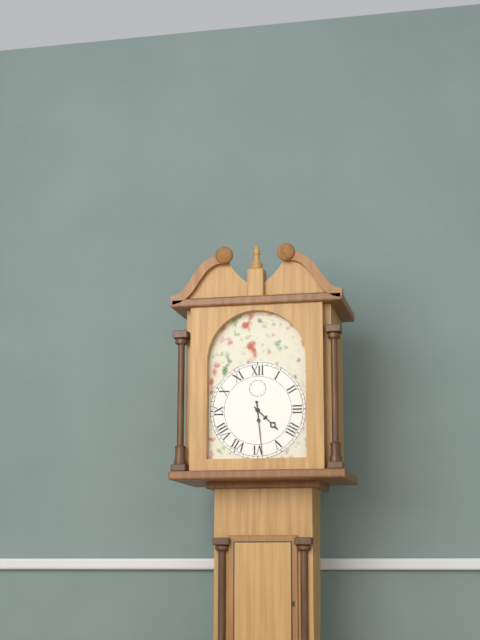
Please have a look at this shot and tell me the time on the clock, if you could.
4:29
